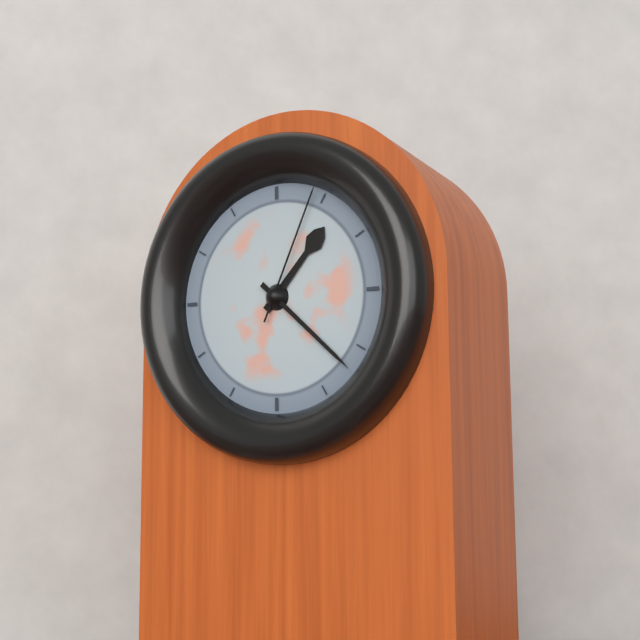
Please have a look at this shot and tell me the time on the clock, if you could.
1:22:04
